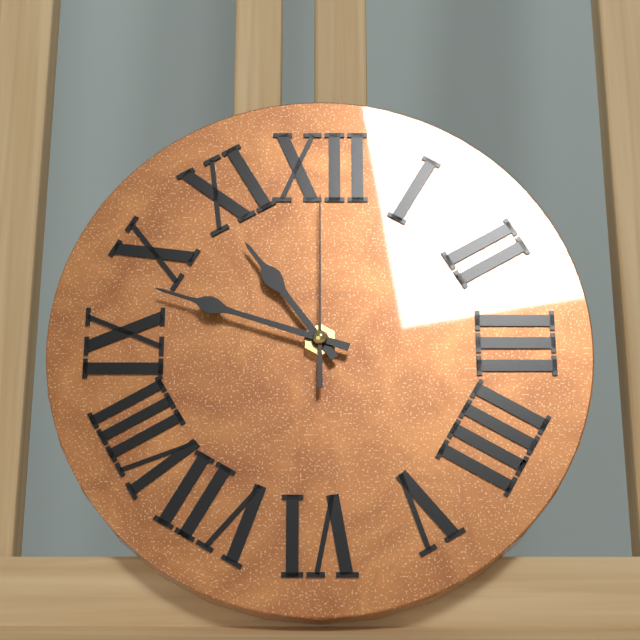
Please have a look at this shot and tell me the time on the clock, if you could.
10:48:00
